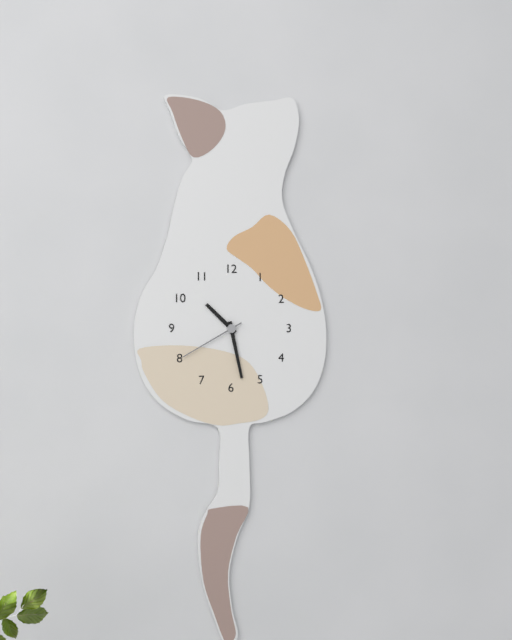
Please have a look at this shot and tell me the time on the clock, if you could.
10:28:40
